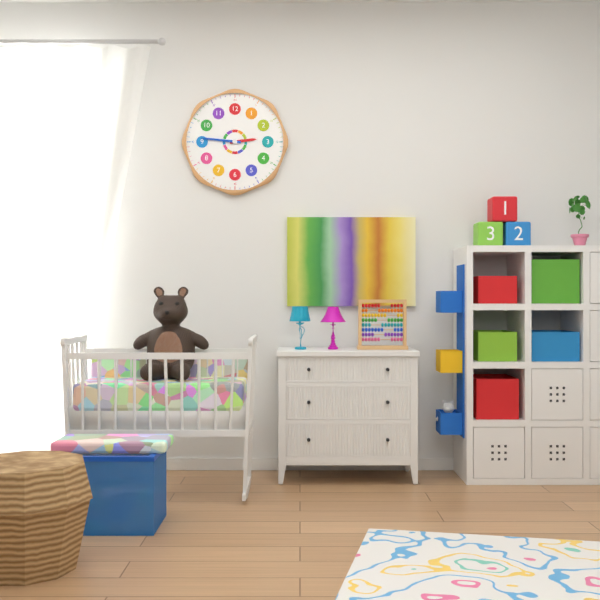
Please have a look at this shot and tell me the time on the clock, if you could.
2:46
